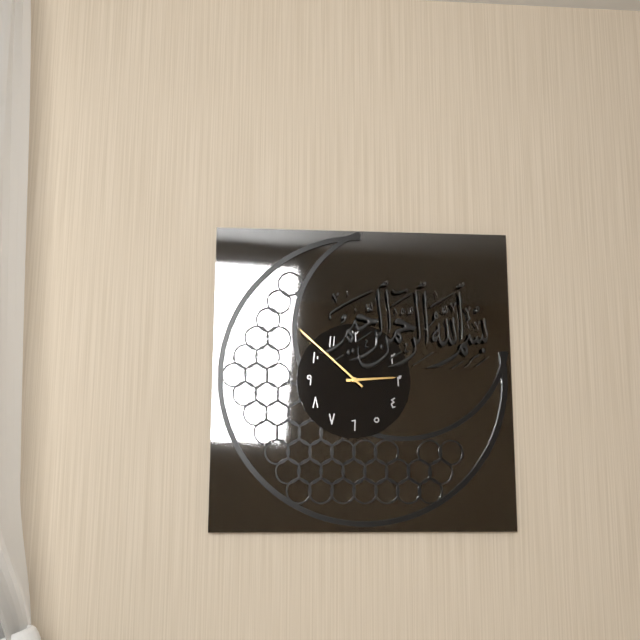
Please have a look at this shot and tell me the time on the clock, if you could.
2:52
